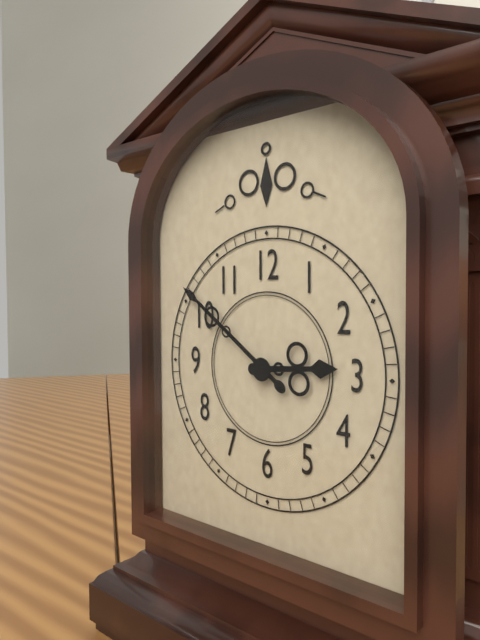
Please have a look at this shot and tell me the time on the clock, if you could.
2:51
